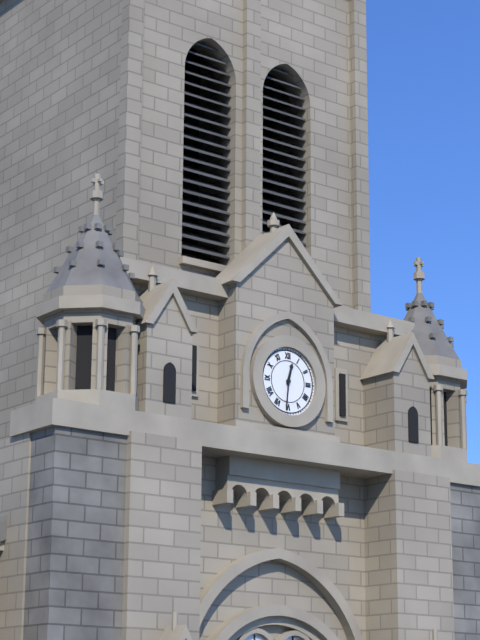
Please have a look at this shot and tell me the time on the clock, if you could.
12:31
